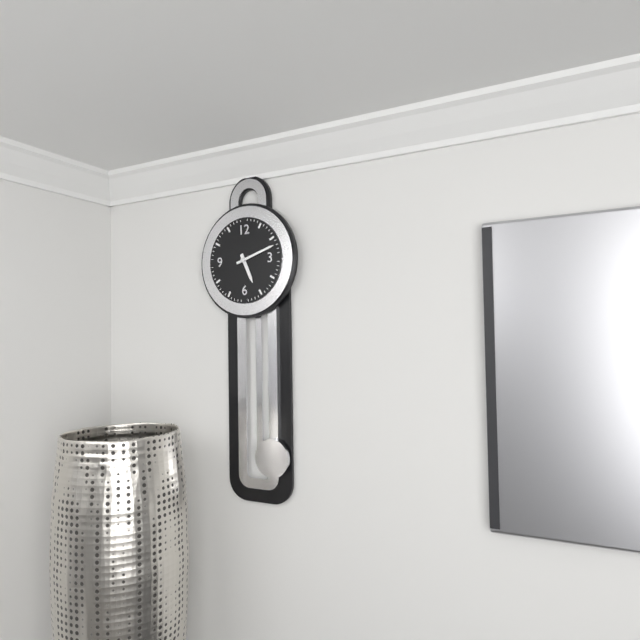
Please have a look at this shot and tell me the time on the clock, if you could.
5:12
